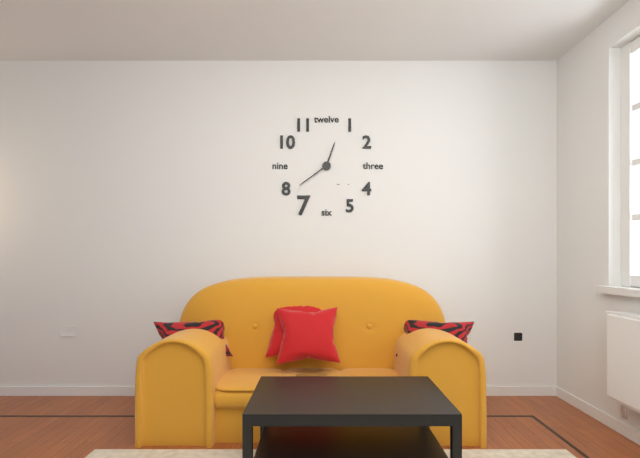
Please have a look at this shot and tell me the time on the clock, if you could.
12:39
